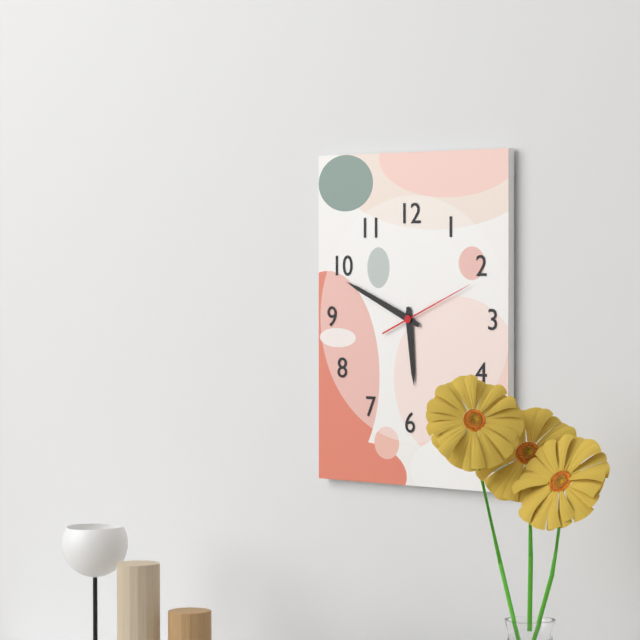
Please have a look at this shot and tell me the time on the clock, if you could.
5:49:11
